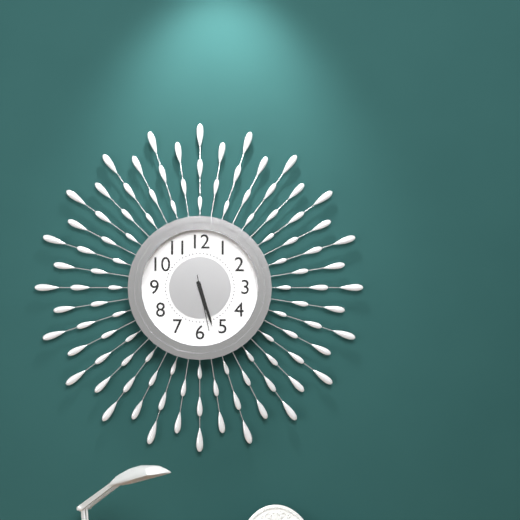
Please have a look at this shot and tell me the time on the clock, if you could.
5:27:28
